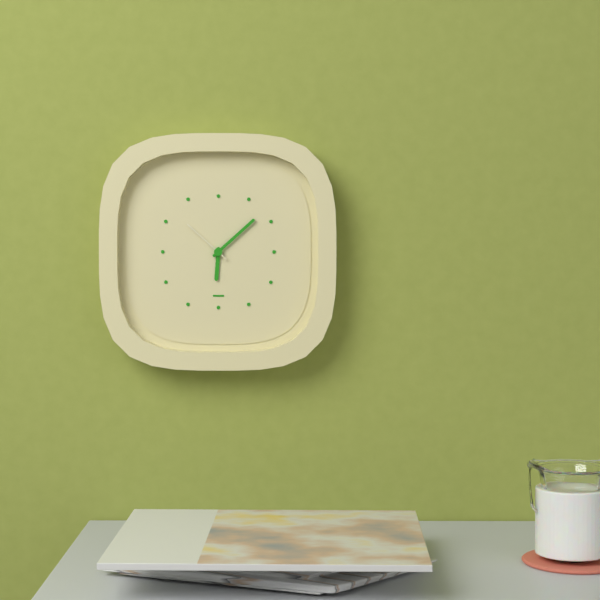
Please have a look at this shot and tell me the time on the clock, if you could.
6:08:52
